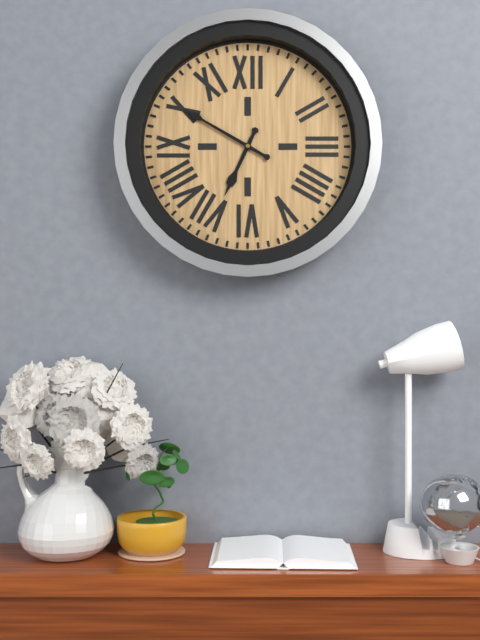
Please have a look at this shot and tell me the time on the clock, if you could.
6:50
